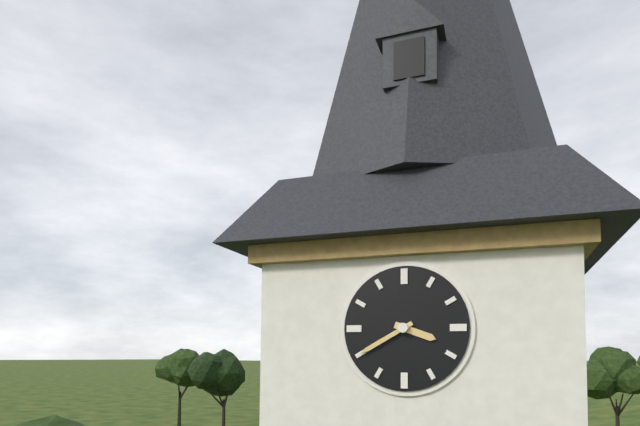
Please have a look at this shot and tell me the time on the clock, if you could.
3:40
